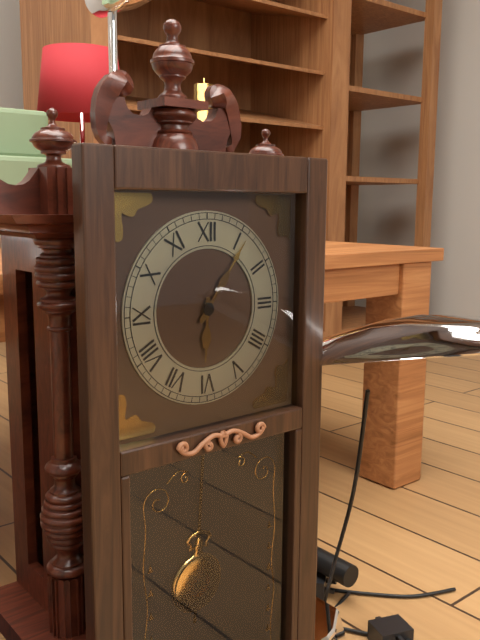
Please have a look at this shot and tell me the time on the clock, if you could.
6:06
